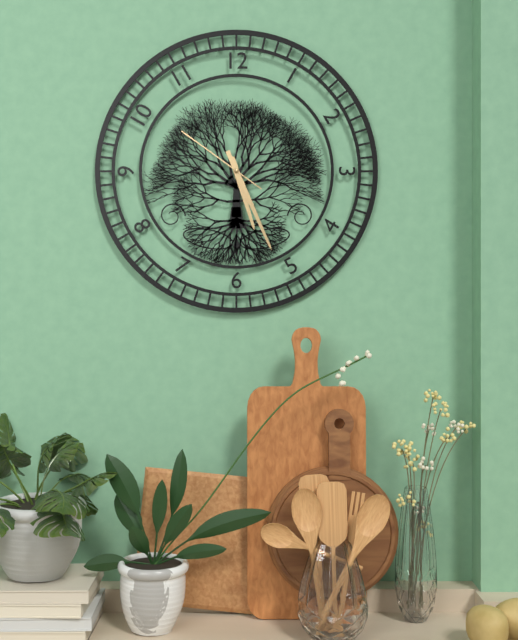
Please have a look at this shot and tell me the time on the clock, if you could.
5:26:51
